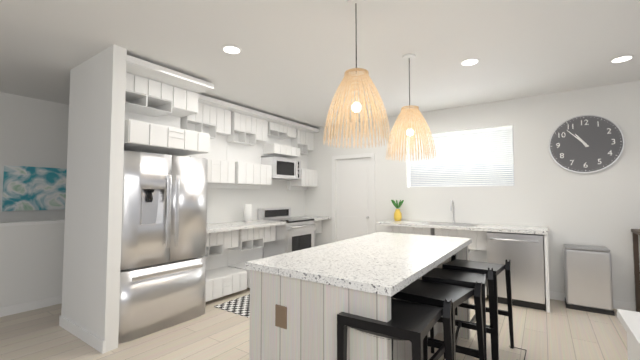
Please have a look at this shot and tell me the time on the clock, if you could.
10:53
